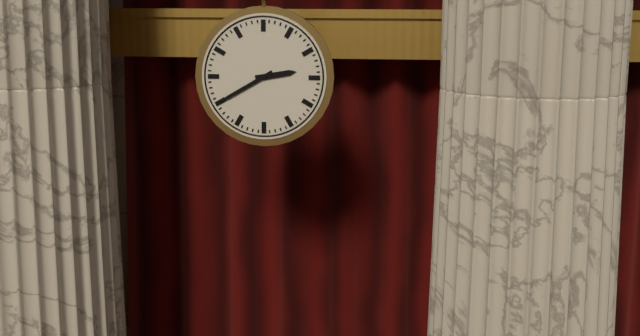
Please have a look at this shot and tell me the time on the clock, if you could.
2:40
